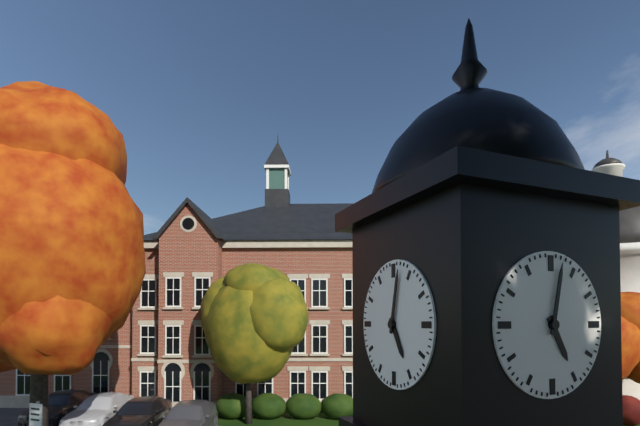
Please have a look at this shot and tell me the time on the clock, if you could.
5:02
